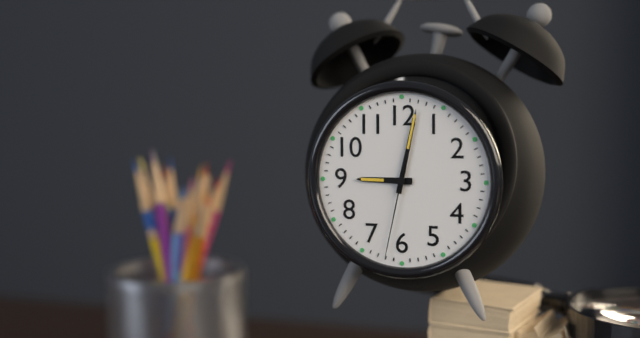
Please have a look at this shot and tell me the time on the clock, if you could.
9:02:32
